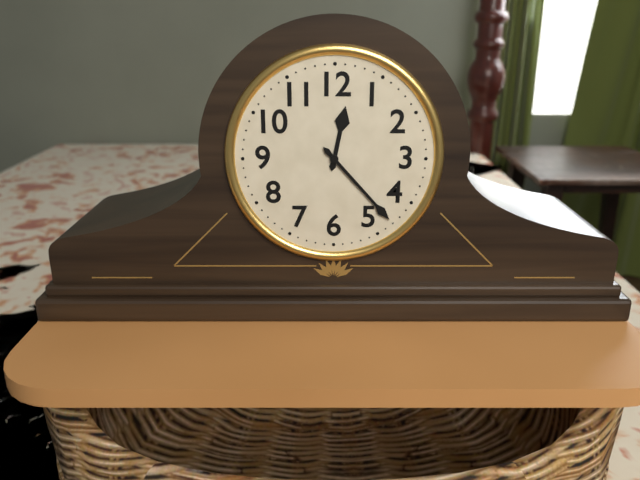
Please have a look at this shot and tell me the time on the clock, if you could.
12:23
